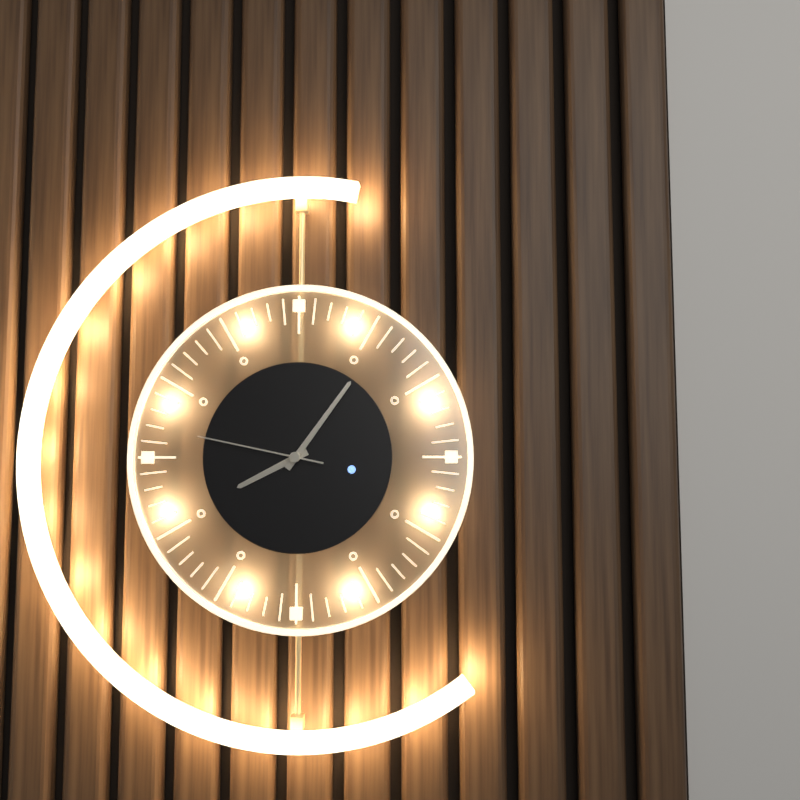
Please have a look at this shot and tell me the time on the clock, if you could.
8:06:47
